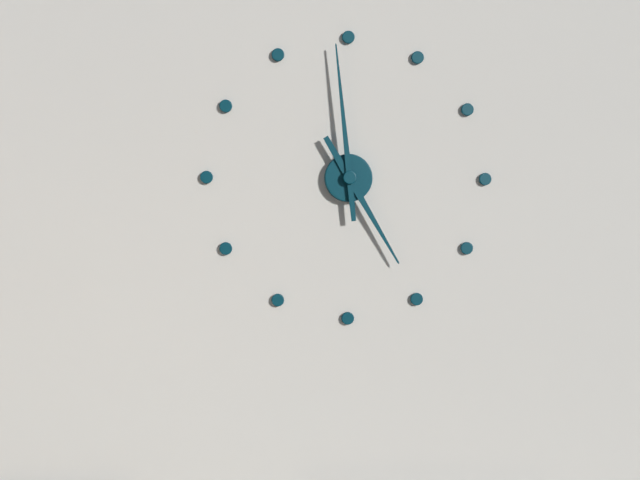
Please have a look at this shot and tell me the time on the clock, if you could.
4:59
